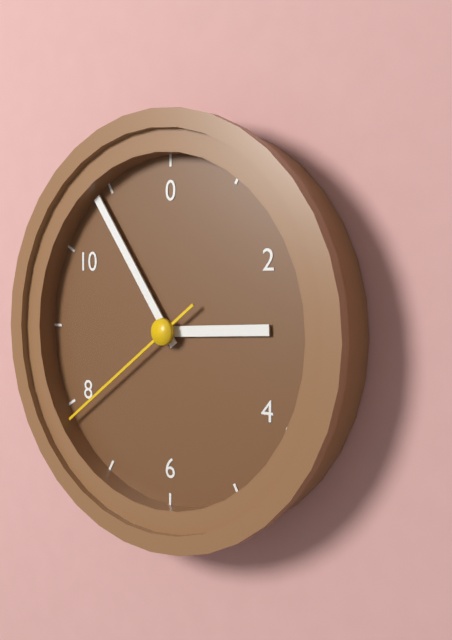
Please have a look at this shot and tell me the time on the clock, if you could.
2:54:39
